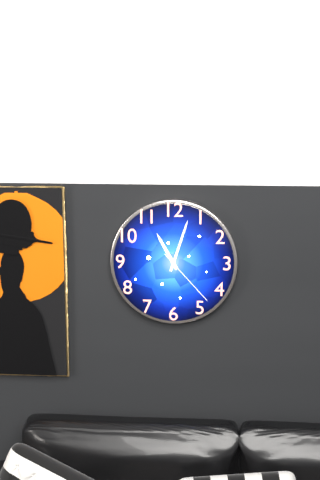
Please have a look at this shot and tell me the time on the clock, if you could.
11:03:23
